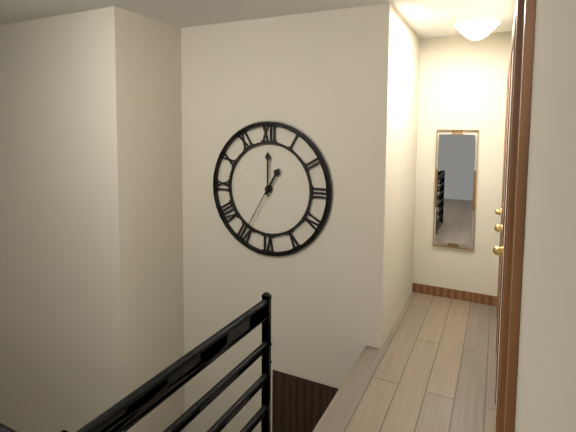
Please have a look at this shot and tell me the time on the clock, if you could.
1:00:35
